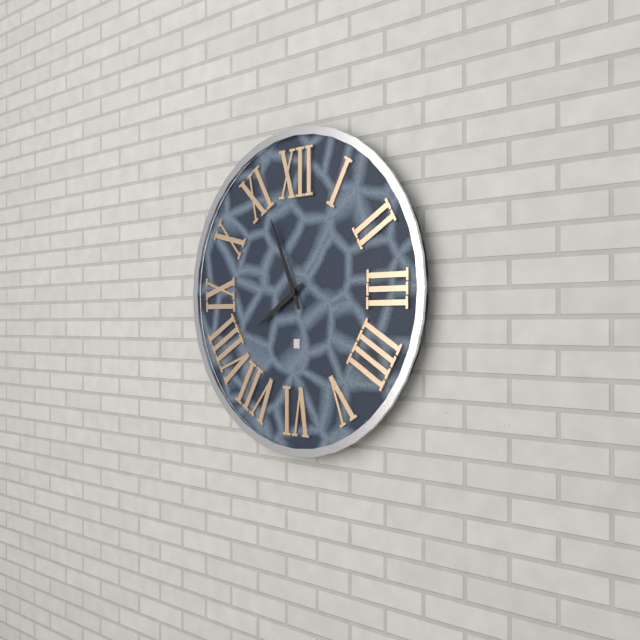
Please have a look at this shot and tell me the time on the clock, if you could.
7:56
